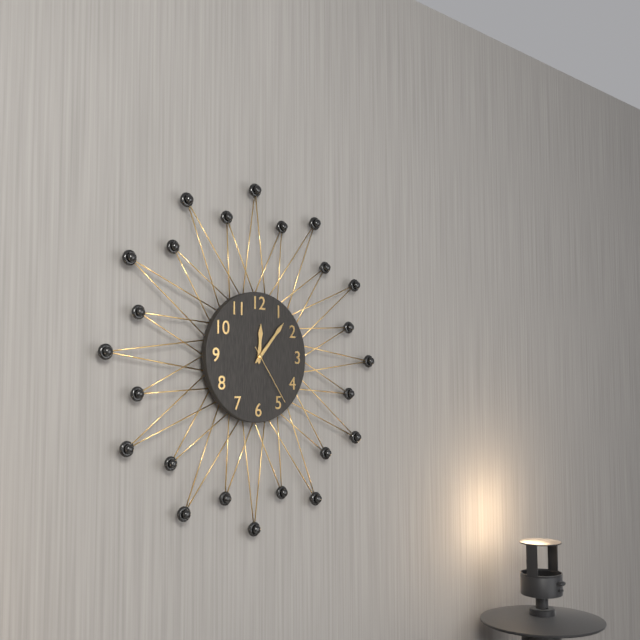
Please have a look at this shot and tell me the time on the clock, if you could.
12:07:24
